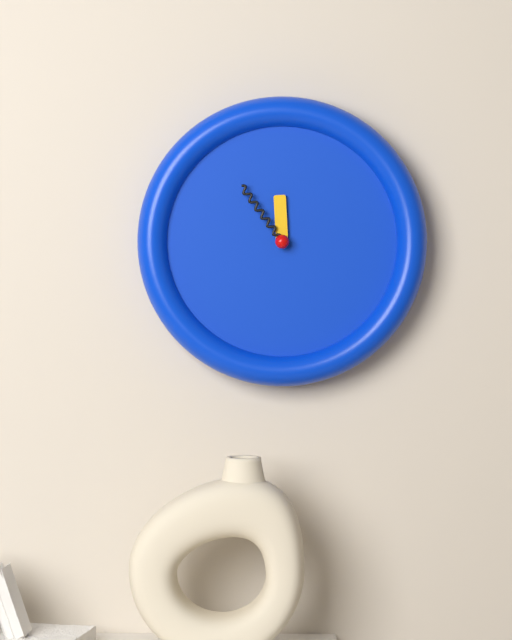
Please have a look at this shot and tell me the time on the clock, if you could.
11:54
